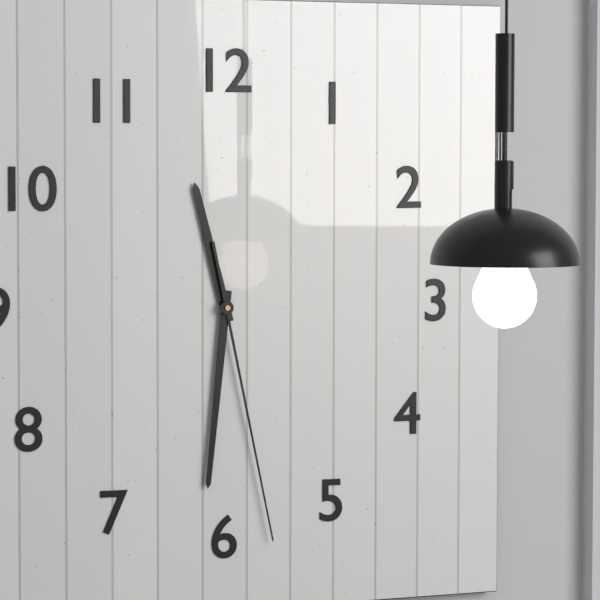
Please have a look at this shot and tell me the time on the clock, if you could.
11:31:28
